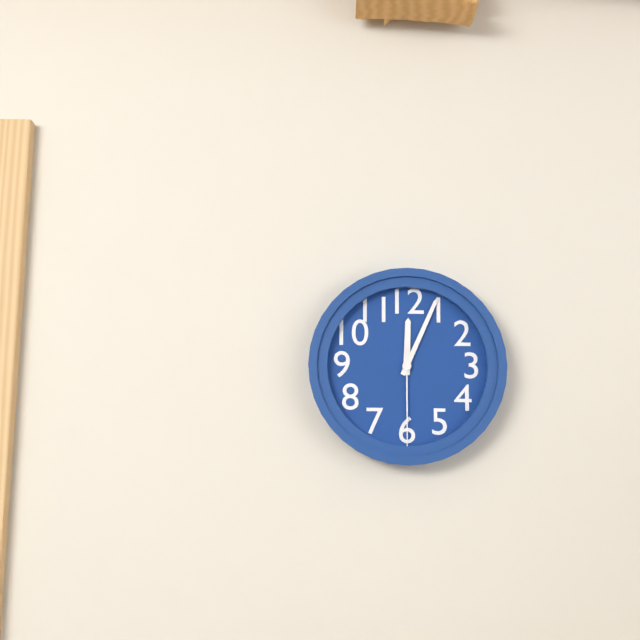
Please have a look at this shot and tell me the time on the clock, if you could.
12:04:30
